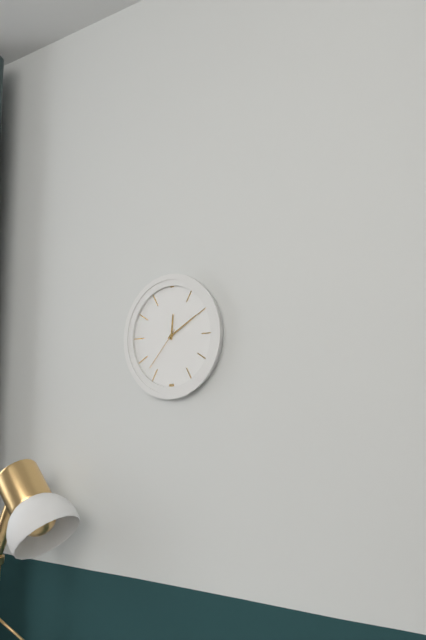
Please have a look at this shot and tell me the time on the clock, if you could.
12:10
